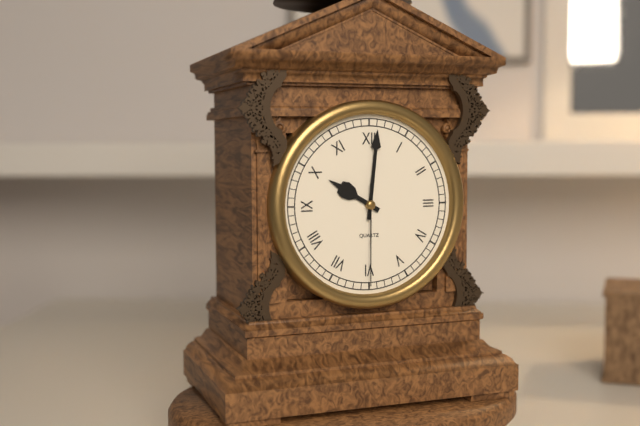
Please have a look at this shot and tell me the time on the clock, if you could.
10:01:30
